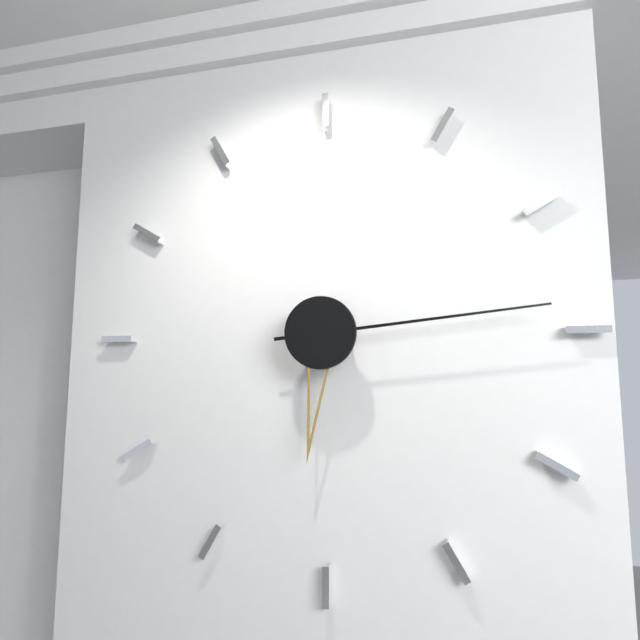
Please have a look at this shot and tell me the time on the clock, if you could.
6:14
